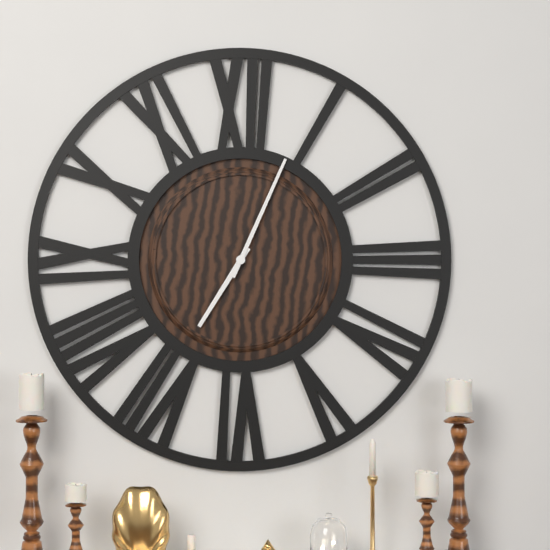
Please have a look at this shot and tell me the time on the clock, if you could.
7:04
